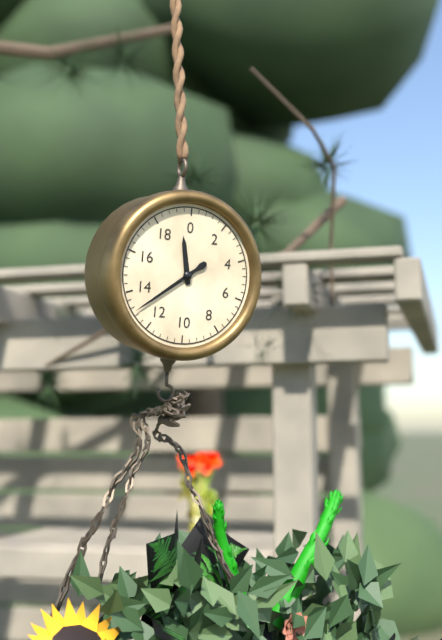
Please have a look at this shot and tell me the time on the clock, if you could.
11:39
